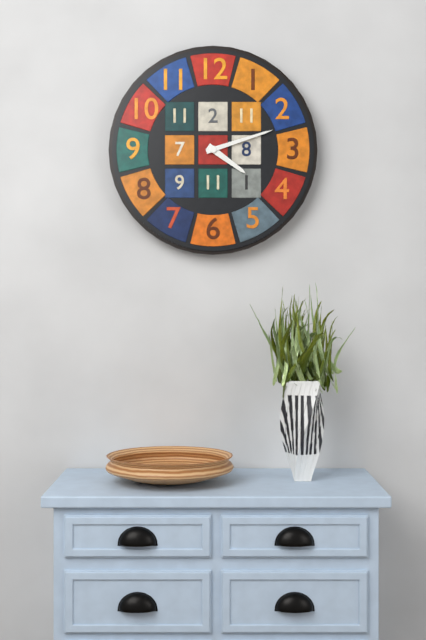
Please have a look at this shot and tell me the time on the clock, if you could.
4:12
